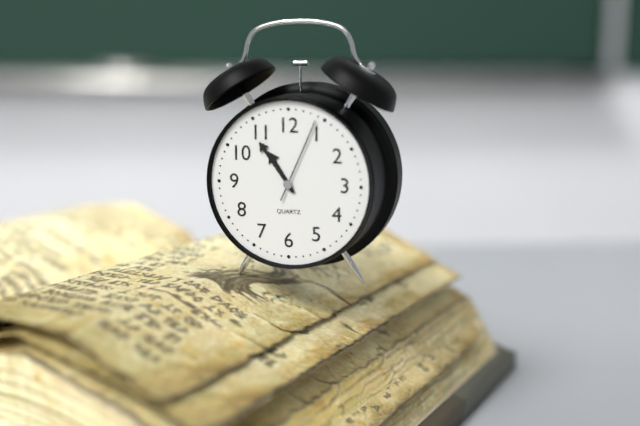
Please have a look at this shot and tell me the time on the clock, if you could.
10:54:04
